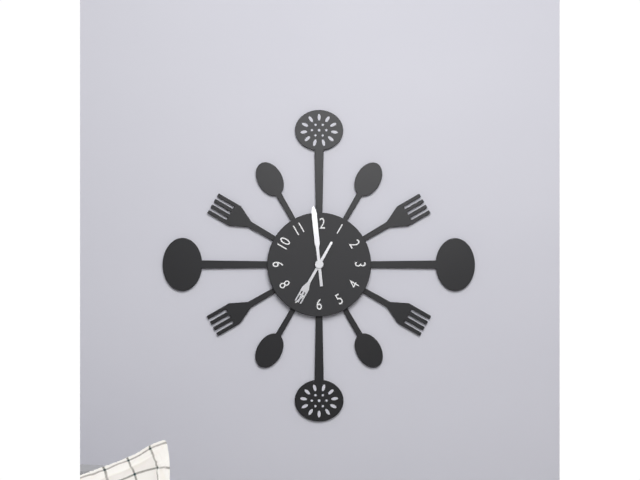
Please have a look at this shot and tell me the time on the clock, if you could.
6:59
